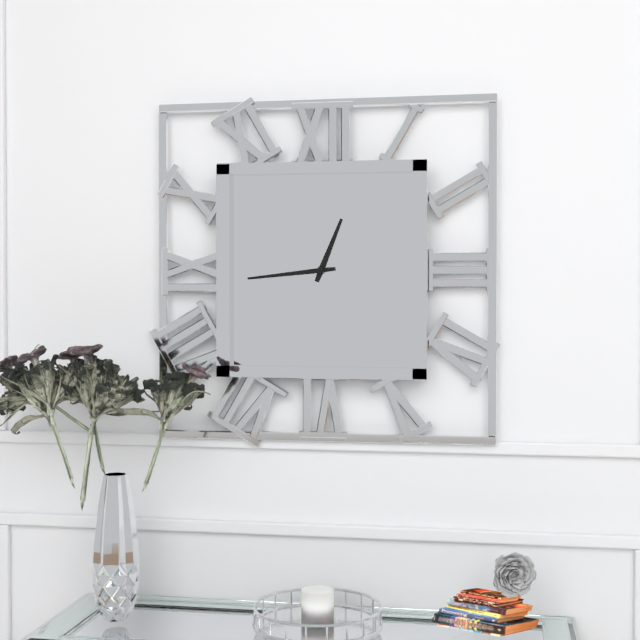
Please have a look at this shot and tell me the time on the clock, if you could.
12:44
